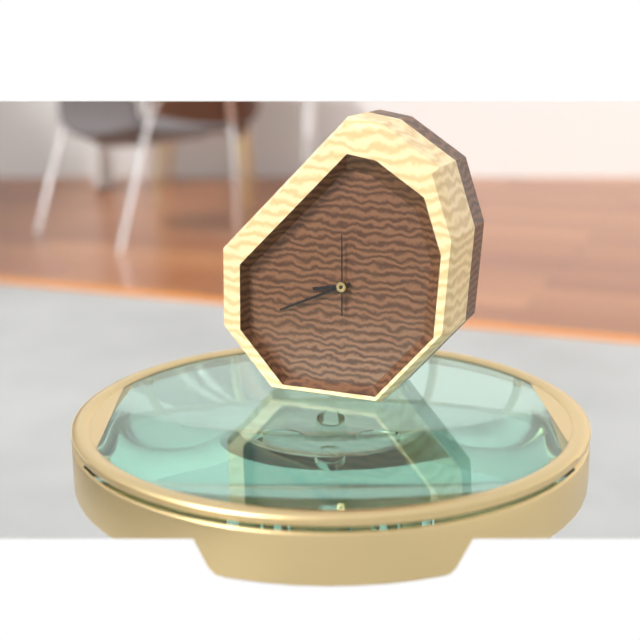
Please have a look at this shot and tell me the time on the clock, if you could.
8:41:00
